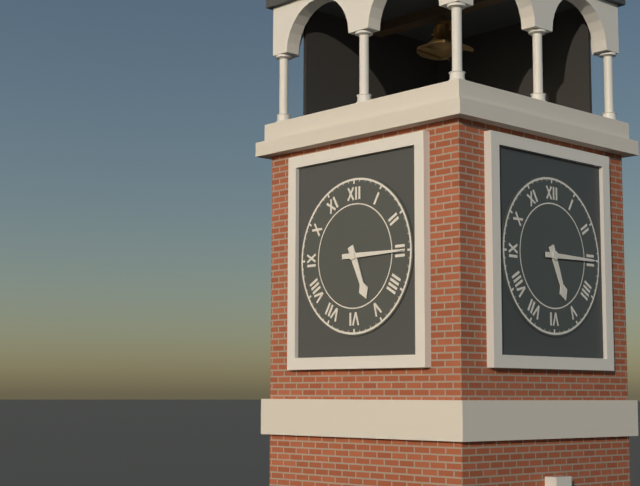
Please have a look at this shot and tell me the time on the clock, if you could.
5:15
